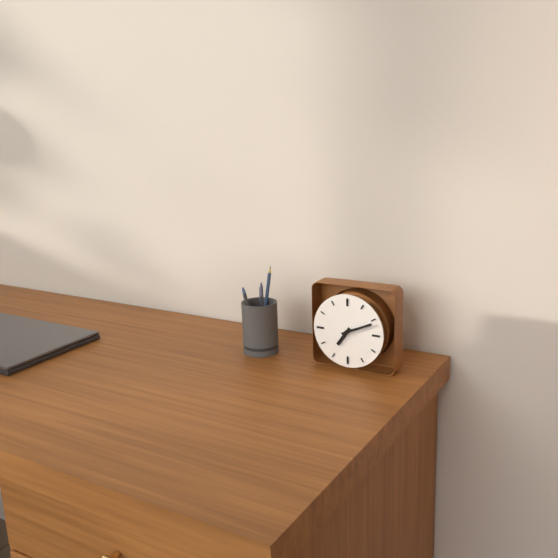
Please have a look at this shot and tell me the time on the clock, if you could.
7:11
